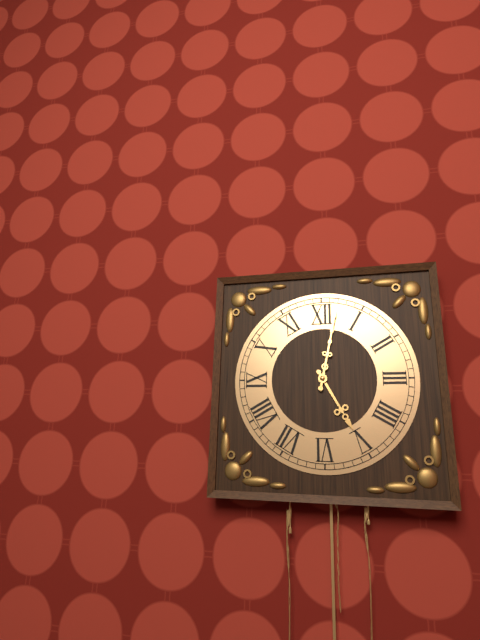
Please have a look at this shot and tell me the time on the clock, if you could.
5:02
